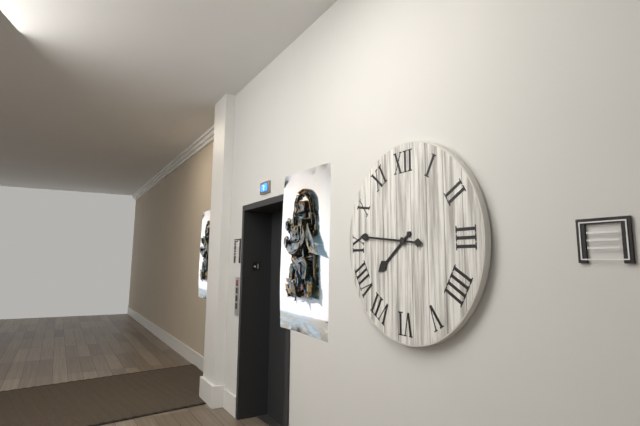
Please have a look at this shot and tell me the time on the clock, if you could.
7:46
